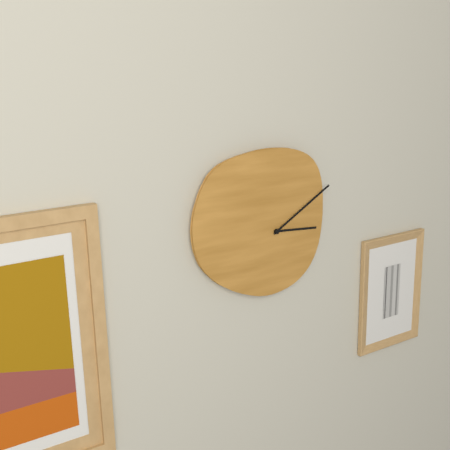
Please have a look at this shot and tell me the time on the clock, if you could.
3:10
